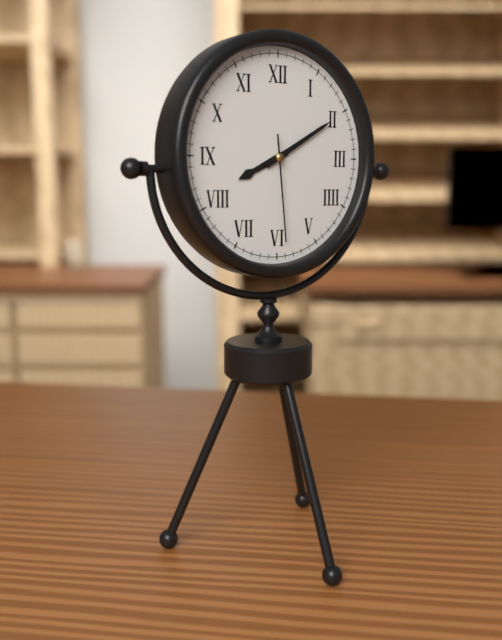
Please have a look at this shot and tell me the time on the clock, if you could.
8:10:29
